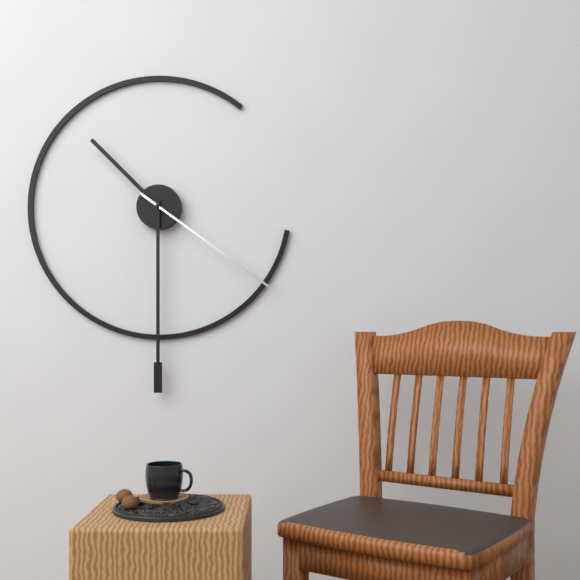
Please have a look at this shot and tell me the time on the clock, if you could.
10:30:21
